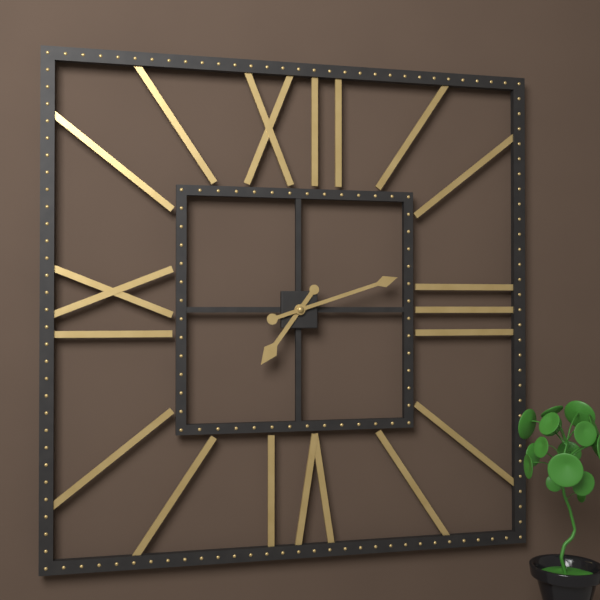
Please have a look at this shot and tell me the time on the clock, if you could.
7:12
